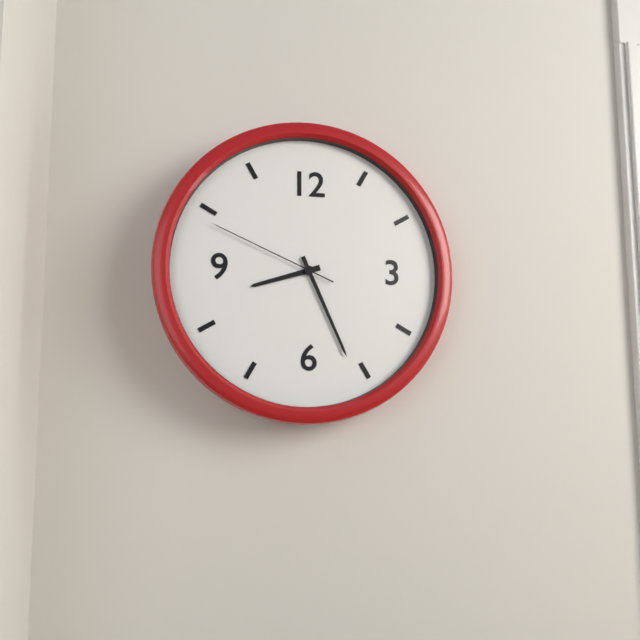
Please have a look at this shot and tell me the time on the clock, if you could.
8:26:49
